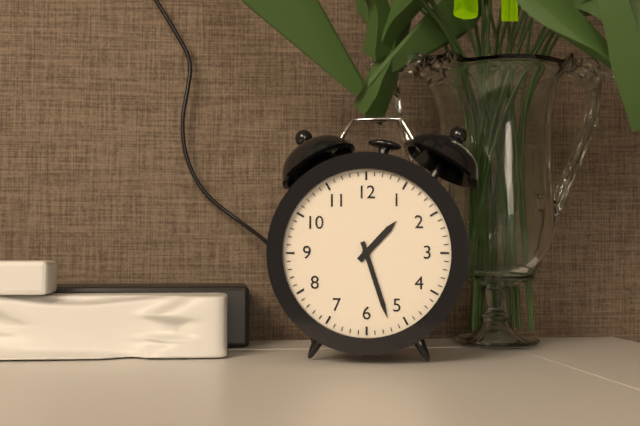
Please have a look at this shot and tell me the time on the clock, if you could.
1:27
